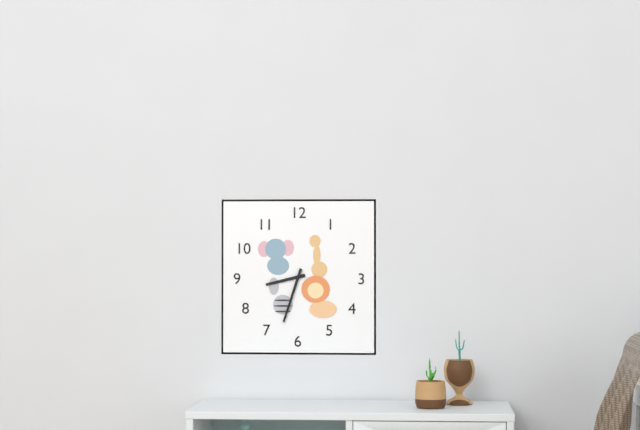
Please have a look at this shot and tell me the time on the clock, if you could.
8:33
